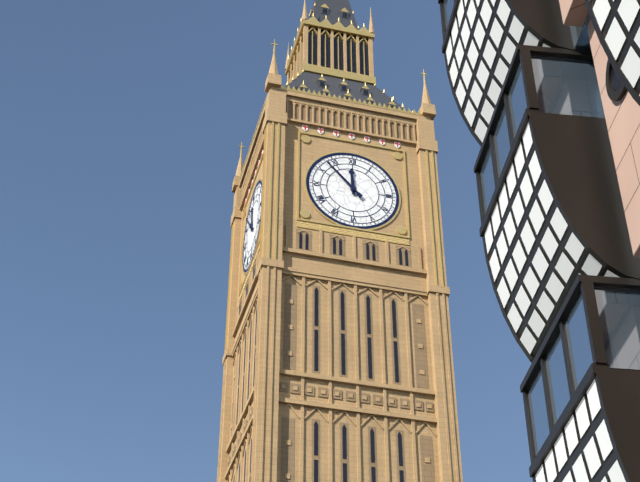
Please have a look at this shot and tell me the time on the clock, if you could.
11:53
